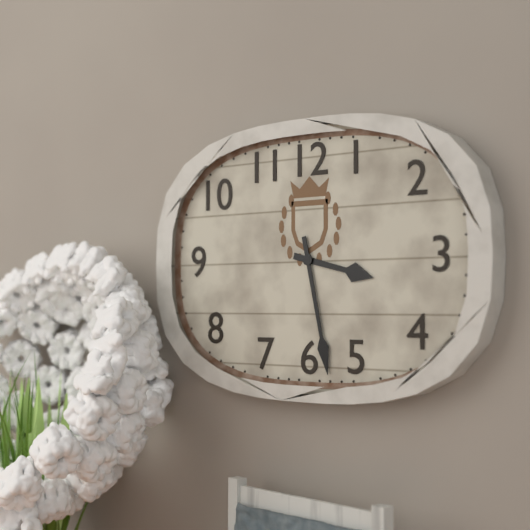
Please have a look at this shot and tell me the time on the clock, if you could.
3:28
